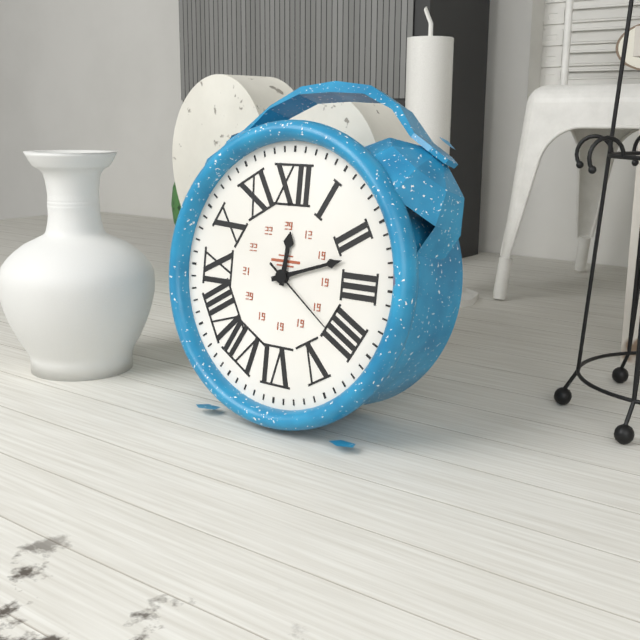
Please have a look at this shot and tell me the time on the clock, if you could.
12:12:21
